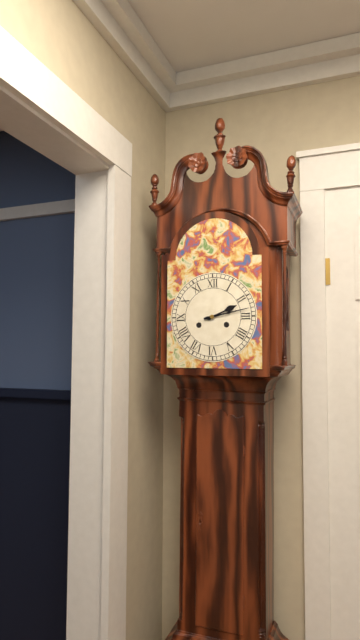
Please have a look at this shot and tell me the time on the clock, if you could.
2:13
